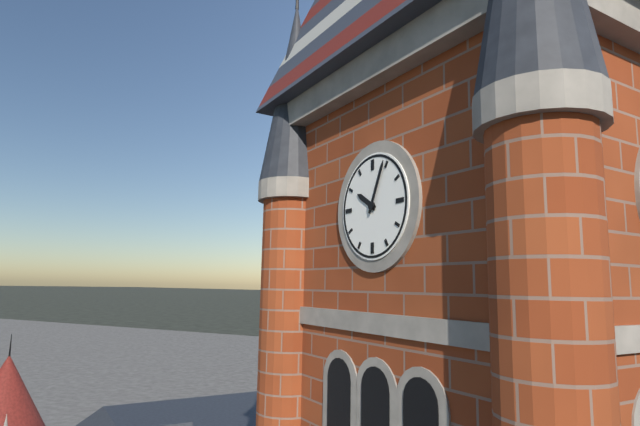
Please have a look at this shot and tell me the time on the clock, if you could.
10:04
